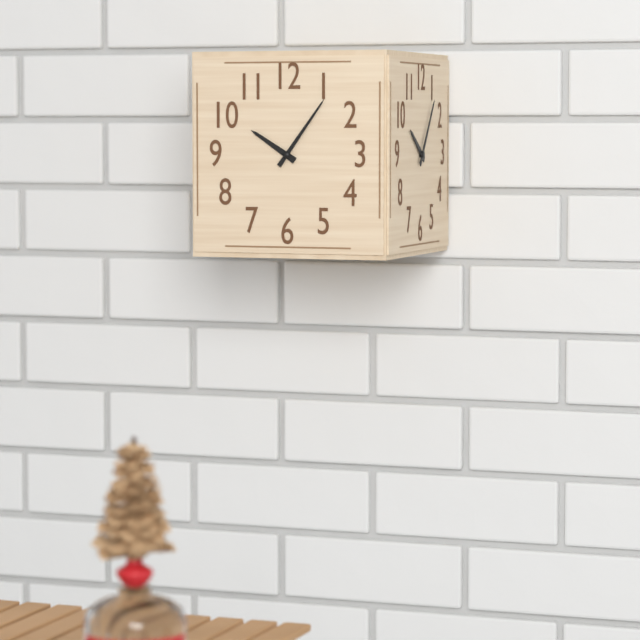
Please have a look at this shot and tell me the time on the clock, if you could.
10:06
